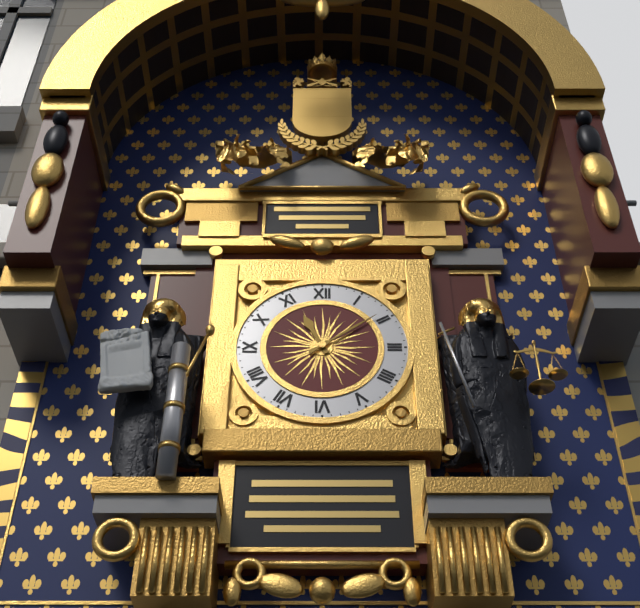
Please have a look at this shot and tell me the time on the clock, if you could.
11:09
